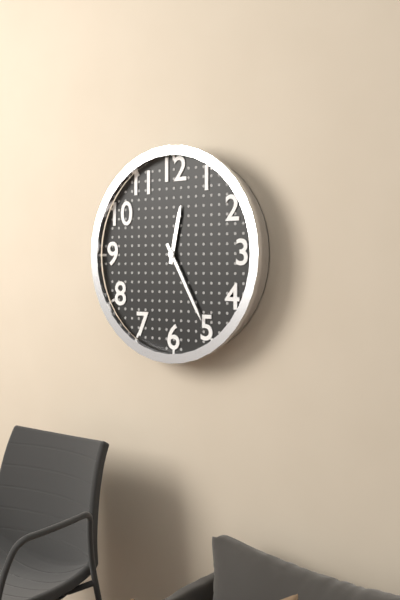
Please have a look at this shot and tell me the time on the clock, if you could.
12:25
